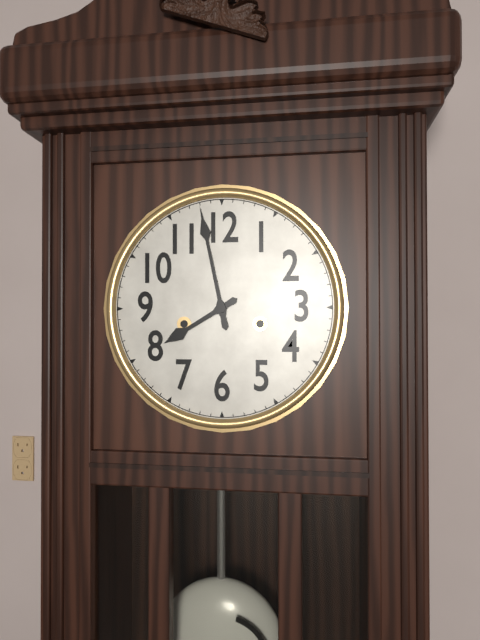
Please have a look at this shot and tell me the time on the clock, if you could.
7:58
